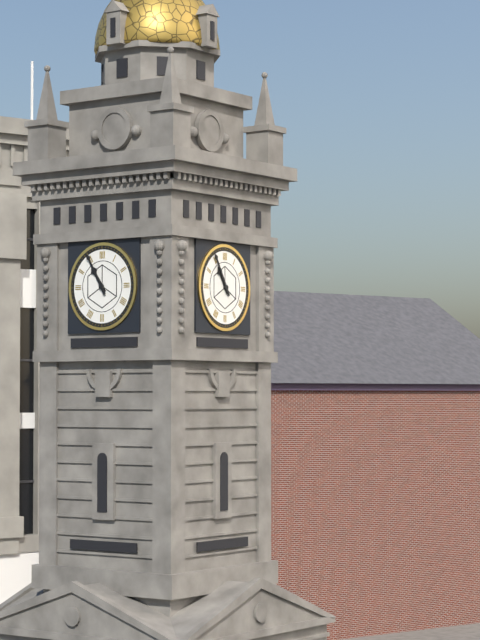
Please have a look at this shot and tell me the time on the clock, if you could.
10:55
